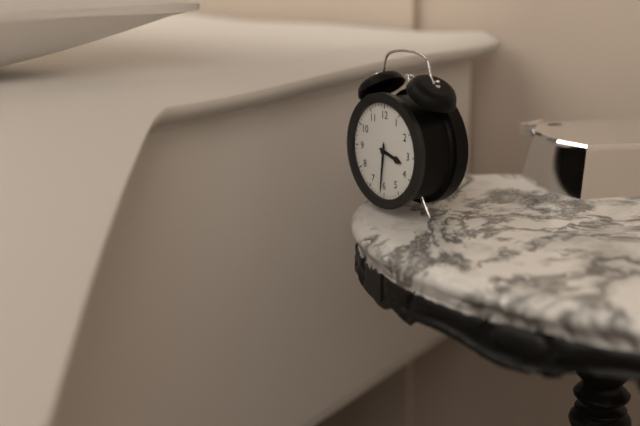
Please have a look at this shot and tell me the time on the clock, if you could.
3:31
